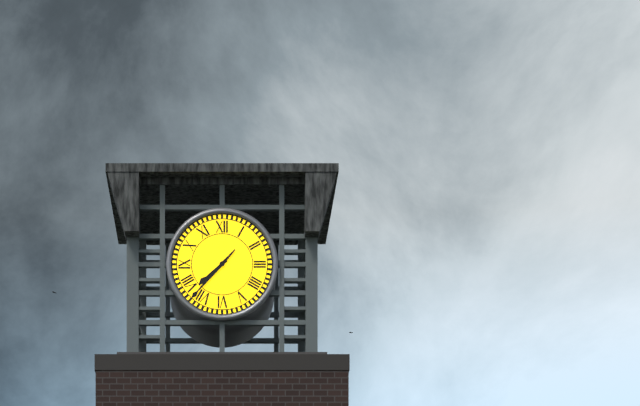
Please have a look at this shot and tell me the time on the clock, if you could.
7:37
